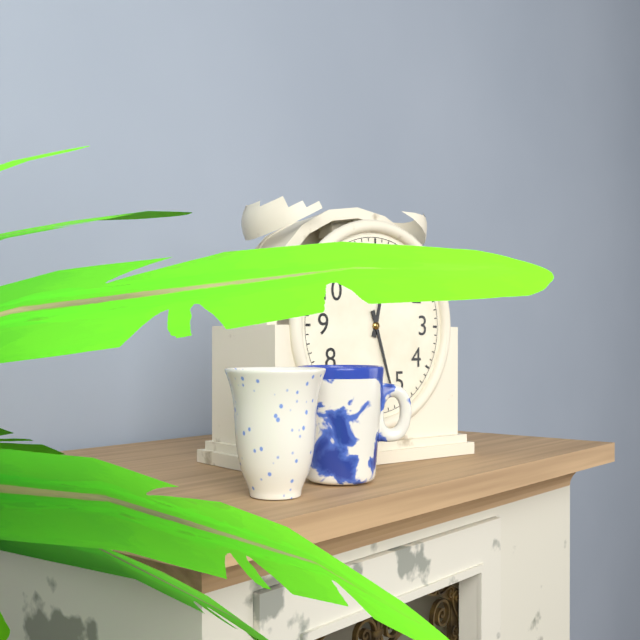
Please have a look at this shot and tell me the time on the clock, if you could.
12:27
